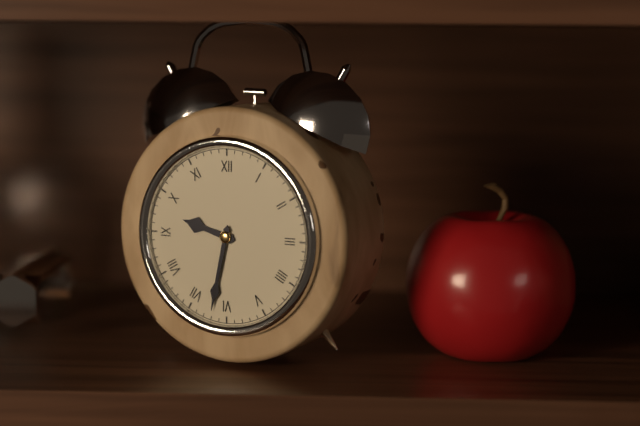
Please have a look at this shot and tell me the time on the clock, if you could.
9:32
